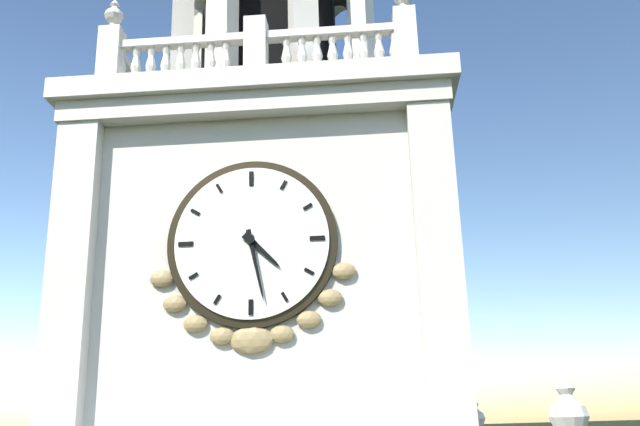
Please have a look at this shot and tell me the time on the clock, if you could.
4:28
